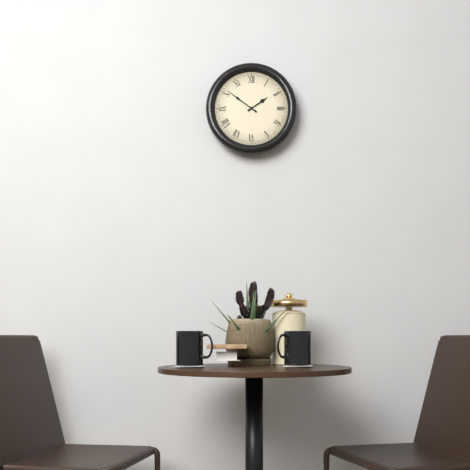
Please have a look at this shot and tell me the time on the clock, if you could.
1:51
